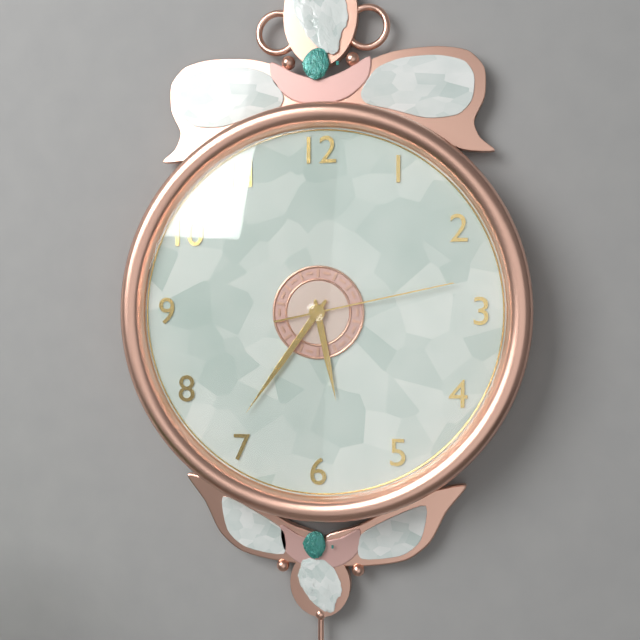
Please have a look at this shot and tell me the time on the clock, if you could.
5:36:13
